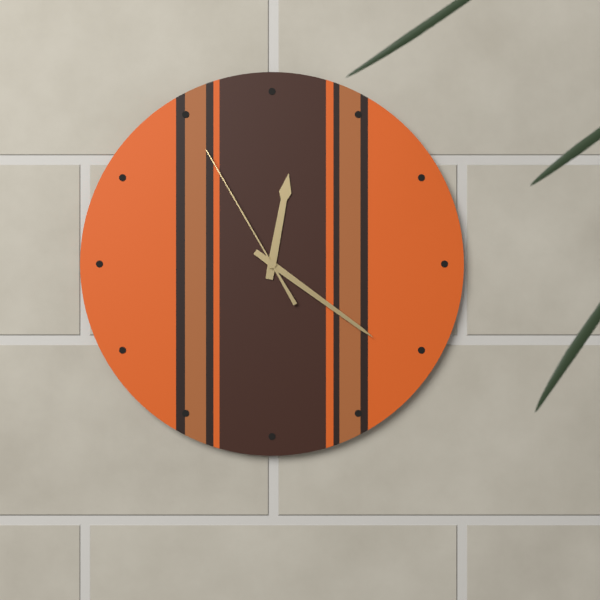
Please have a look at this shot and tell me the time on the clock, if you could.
12:21:55
